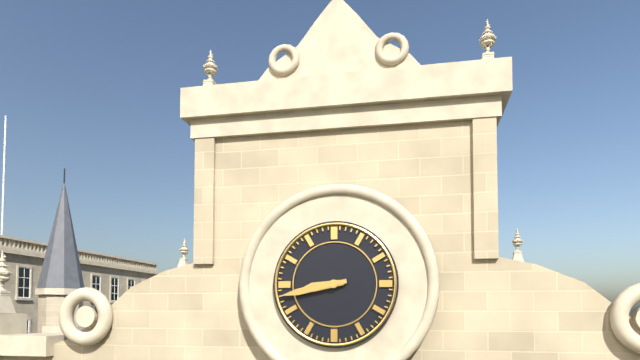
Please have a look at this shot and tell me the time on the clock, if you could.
8:43
